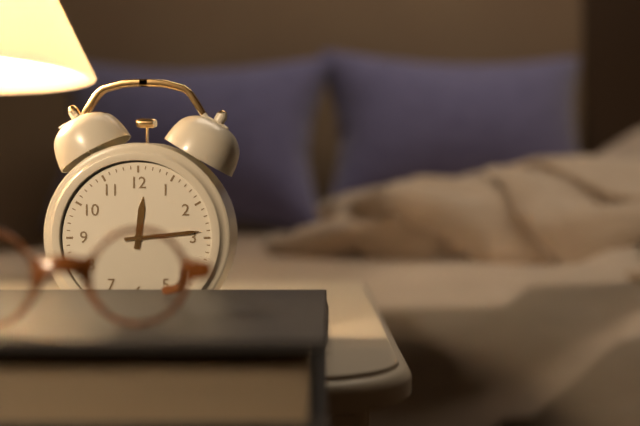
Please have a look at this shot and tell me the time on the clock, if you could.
12:14
